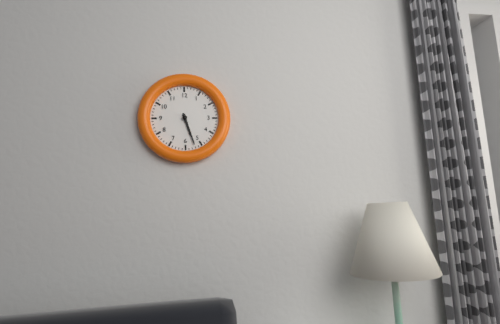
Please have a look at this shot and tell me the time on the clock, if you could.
5:27
